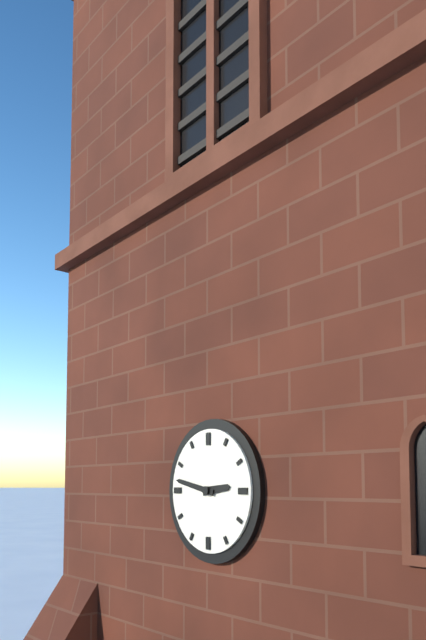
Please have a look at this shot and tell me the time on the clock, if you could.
2:47
